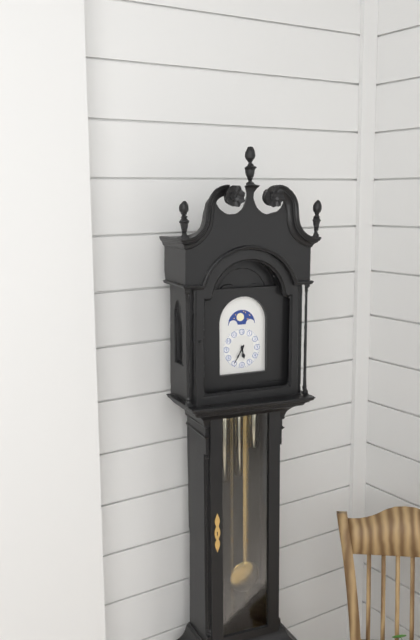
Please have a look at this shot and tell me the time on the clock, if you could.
5:35
